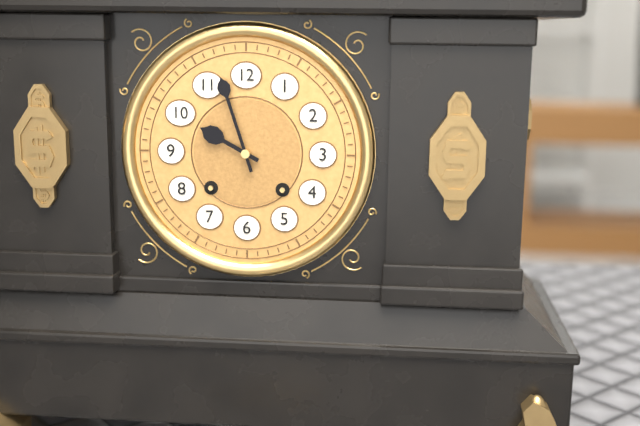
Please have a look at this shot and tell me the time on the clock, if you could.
9:57
